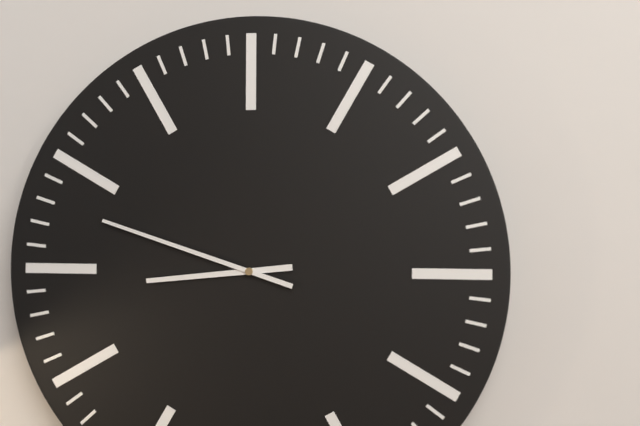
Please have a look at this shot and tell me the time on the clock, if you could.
8:48
